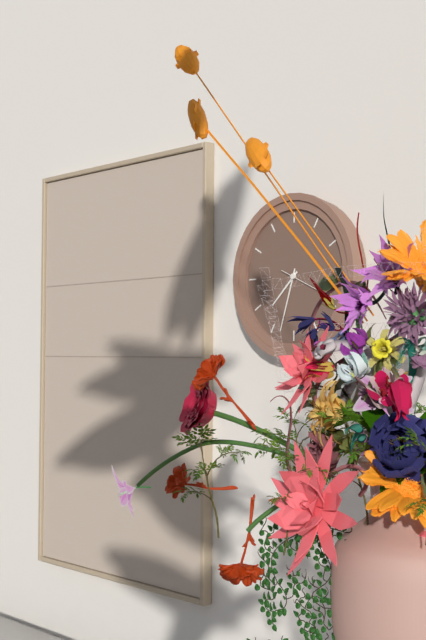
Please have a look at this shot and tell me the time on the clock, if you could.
7:33:19
